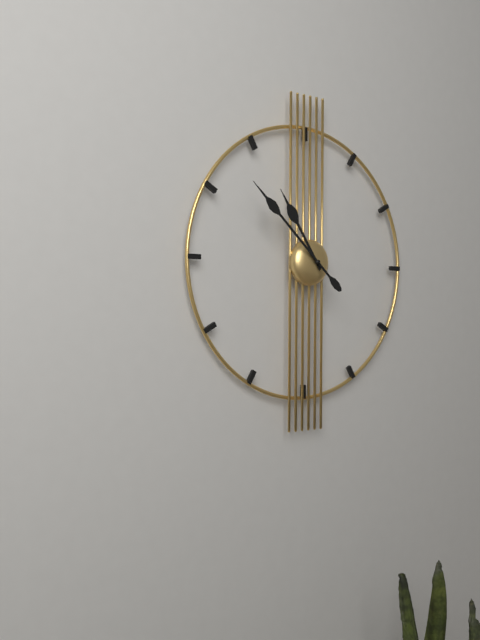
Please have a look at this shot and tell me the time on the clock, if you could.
10:52
